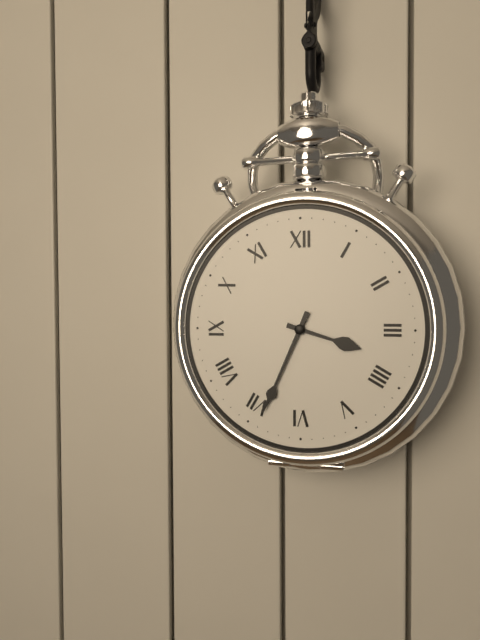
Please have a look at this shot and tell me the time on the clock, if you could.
3:34
